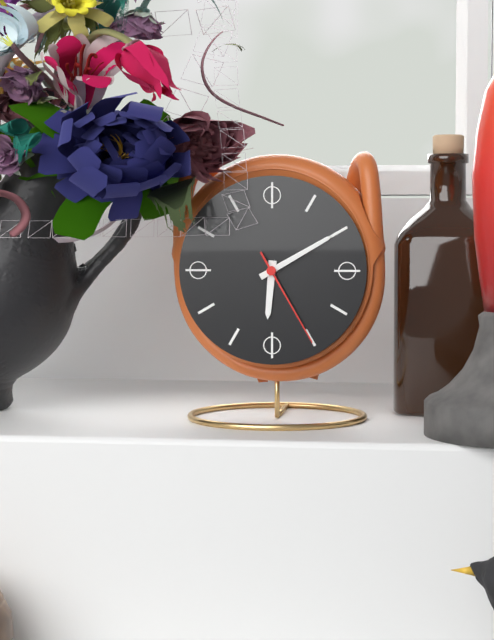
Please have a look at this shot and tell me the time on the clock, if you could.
6:10:25
